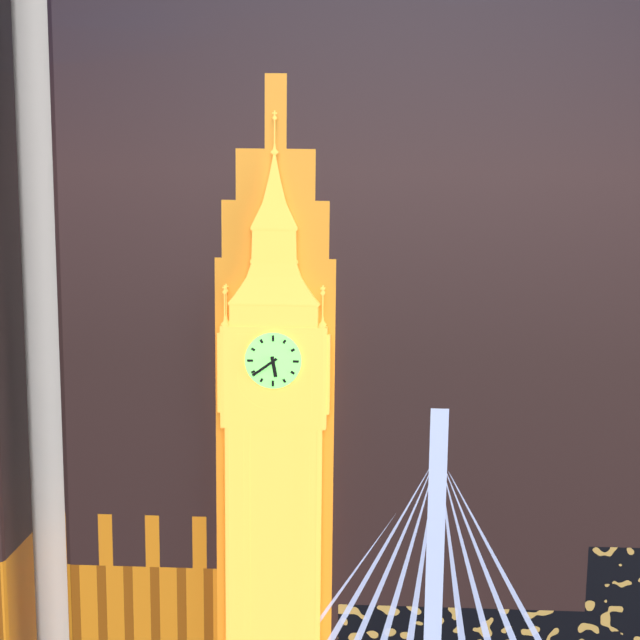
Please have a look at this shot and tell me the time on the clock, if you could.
5:39
